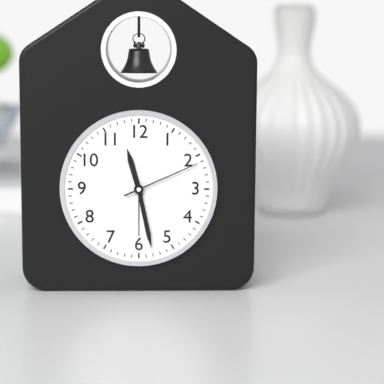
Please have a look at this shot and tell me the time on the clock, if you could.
11:28:11
